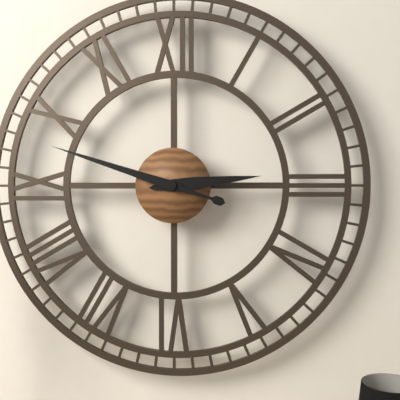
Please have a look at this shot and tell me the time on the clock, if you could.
2:48
